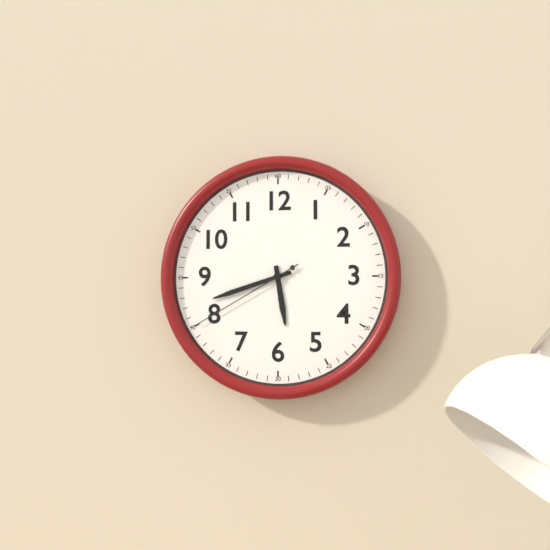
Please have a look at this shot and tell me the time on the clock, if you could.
5:42:40
